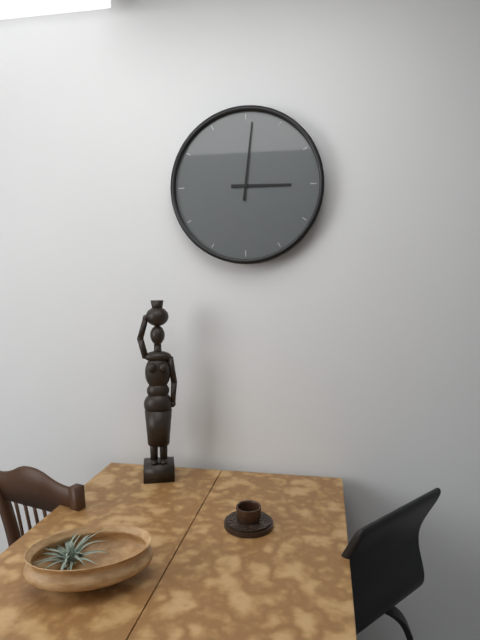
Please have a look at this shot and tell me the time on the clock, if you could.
3:01
